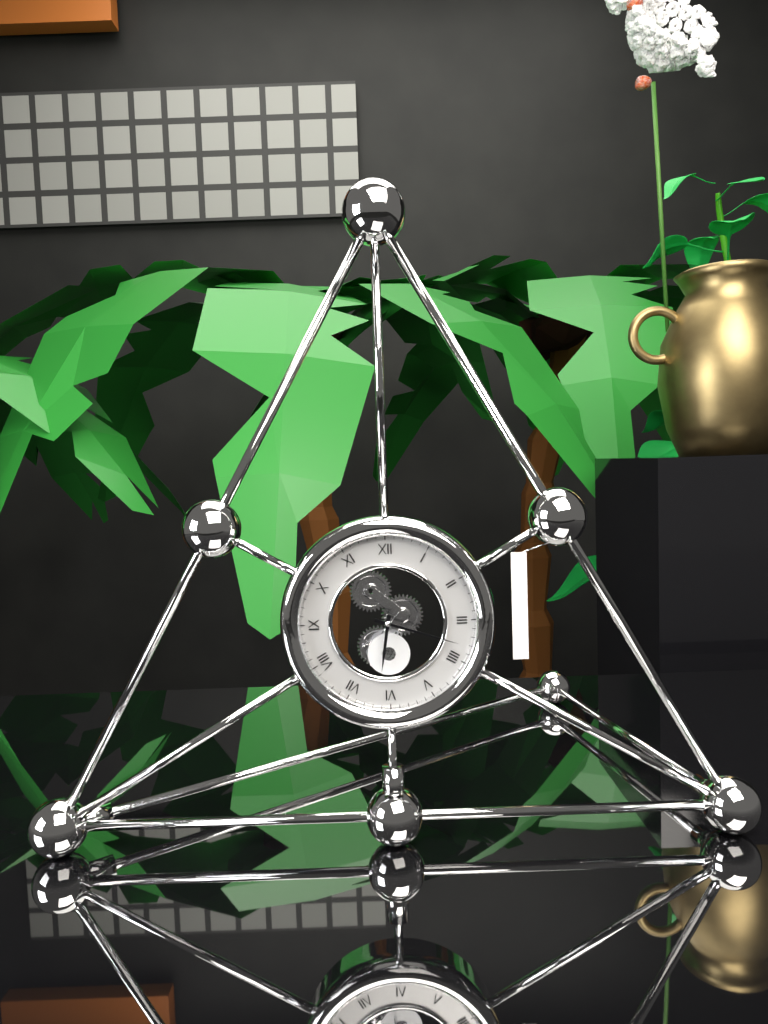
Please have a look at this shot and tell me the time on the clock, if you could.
6:18
